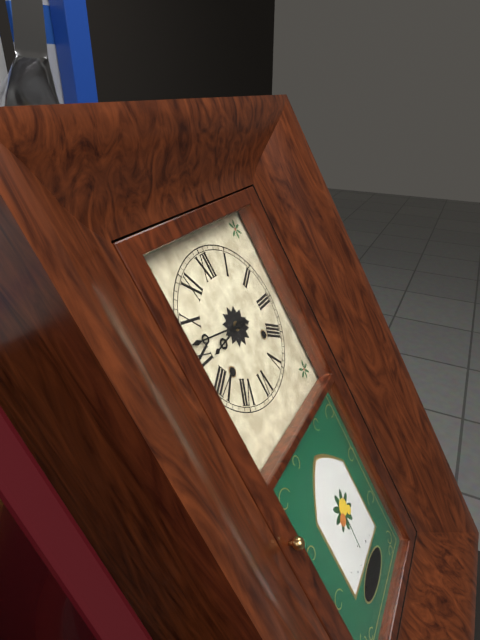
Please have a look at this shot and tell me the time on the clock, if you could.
8:47
